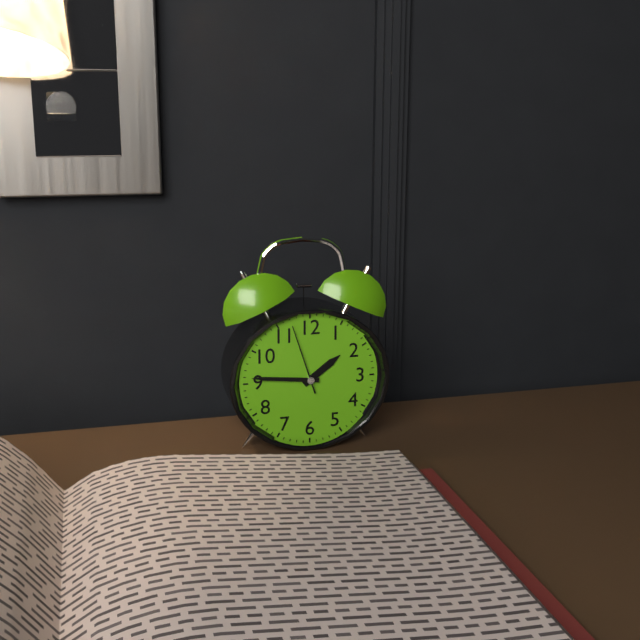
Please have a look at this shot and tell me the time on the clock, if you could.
1:46:57
